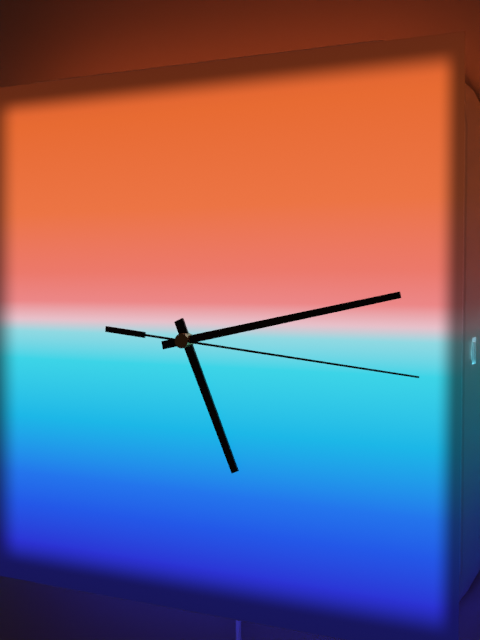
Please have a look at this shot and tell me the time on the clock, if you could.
5:13:16
